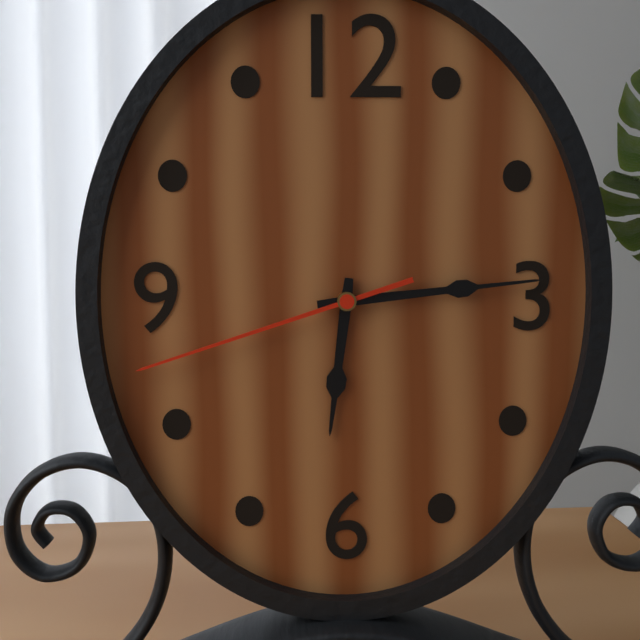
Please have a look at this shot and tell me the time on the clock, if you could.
6:14:42
